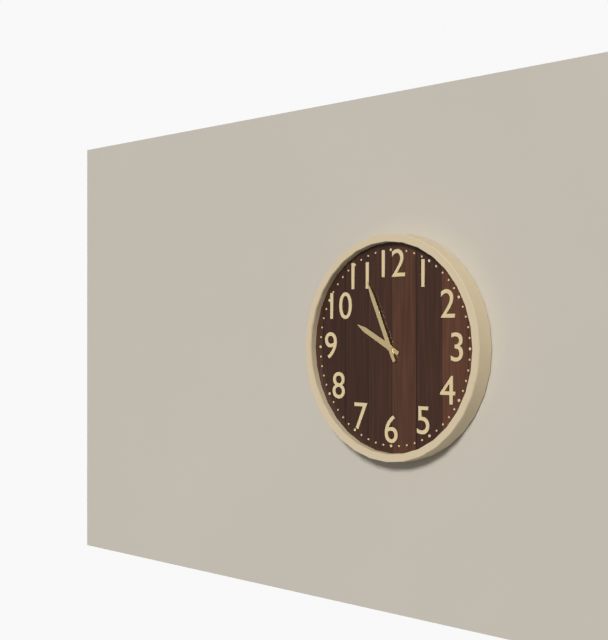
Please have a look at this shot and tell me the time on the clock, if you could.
9:56
